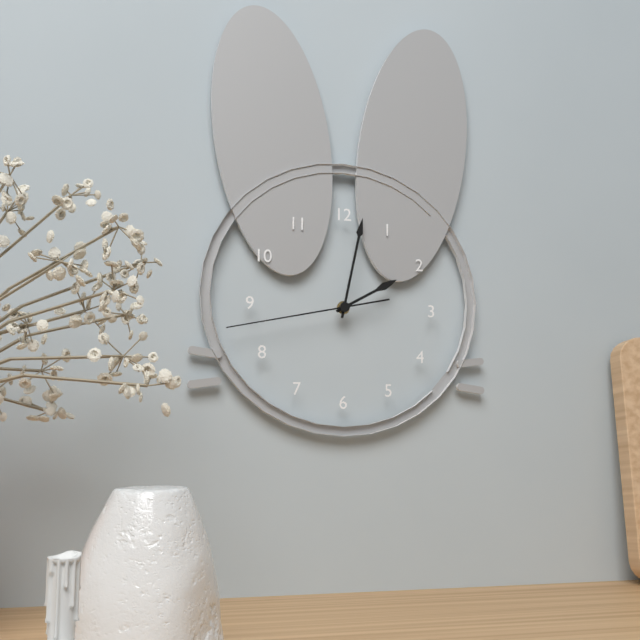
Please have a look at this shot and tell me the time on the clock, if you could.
2:02:43
